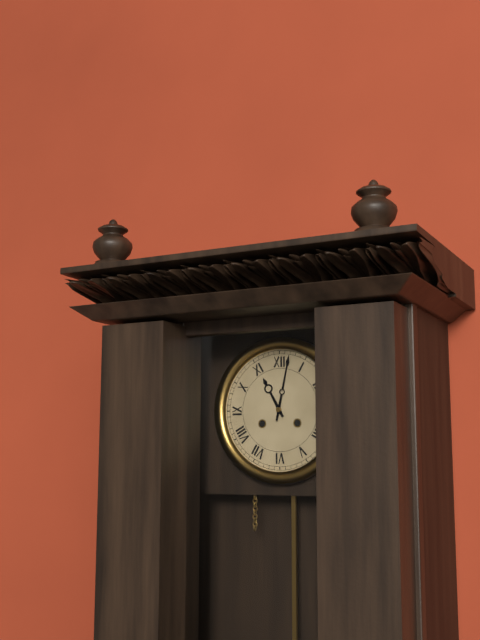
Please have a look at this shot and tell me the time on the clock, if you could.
11:02
